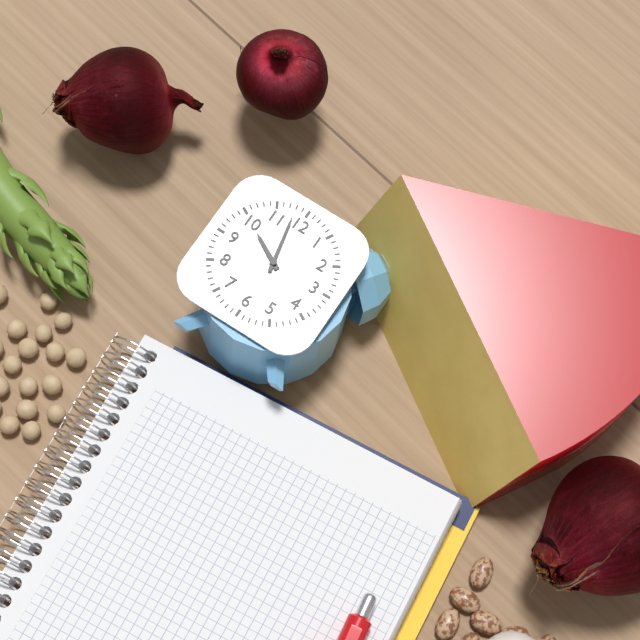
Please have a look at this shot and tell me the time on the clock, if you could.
9:58
